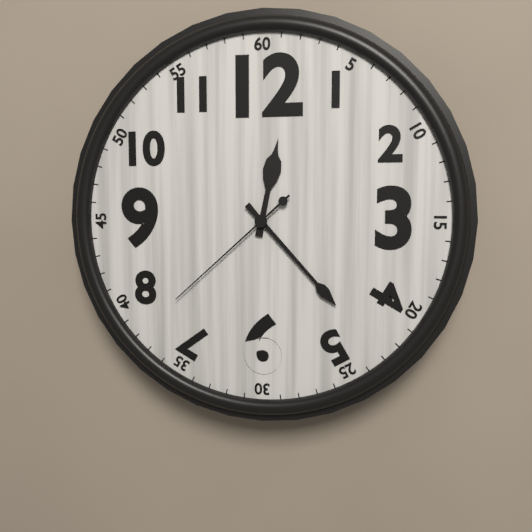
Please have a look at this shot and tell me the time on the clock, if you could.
12:23:38
